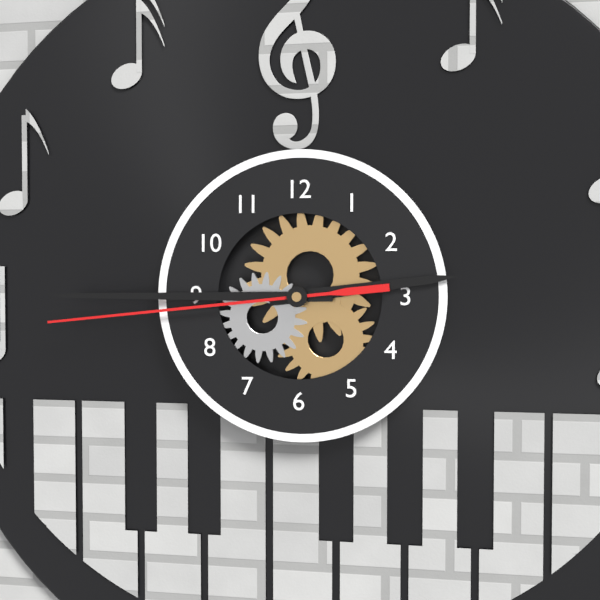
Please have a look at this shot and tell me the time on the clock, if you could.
2:45:44
